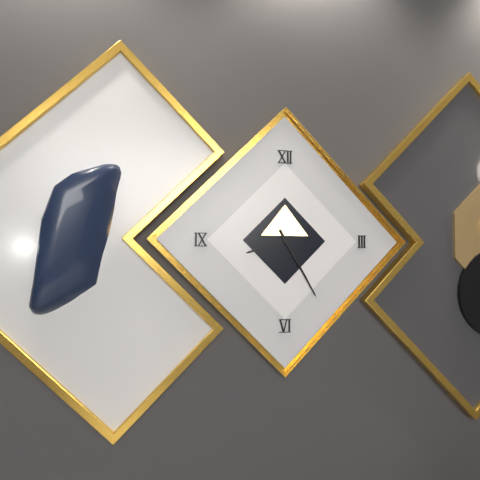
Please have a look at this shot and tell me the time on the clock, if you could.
8:25
